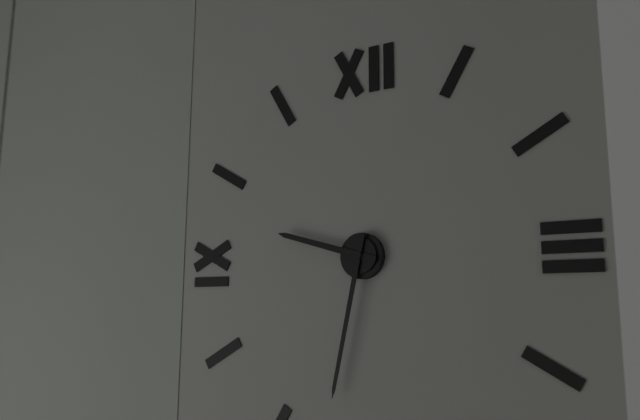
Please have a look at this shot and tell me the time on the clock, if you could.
9:32
